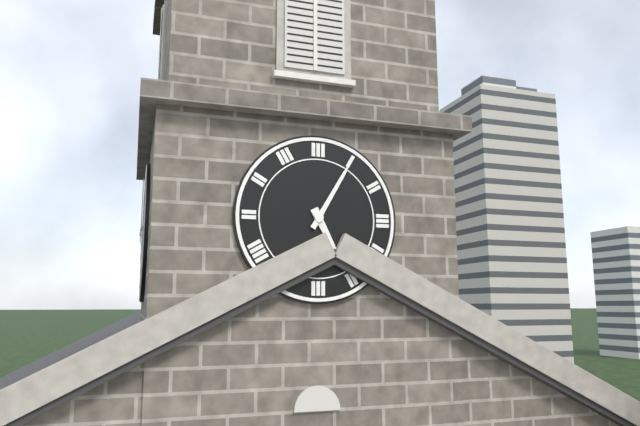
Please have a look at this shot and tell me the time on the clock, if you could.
5:05
